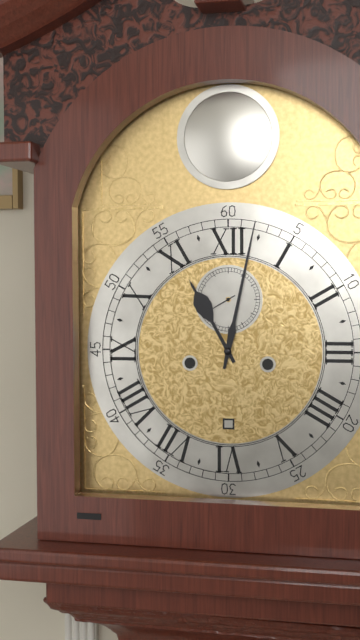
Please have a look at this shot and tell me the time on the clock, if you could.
11:02
